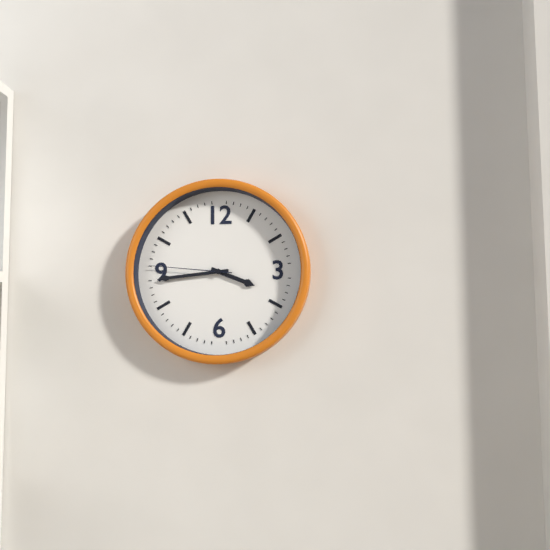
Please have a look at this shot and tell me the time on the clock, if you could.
3:44:46
